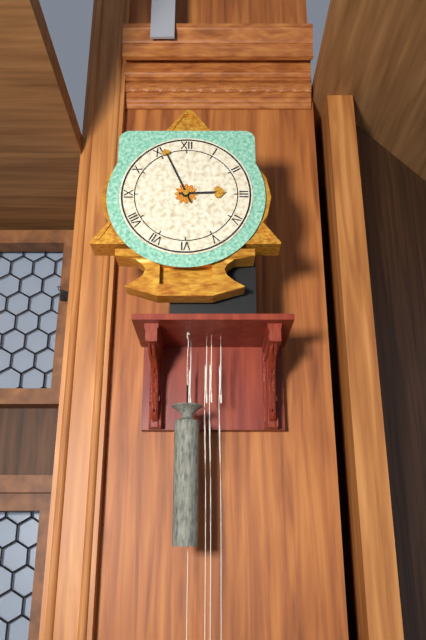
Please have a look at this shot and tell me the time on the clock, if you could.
2:56
